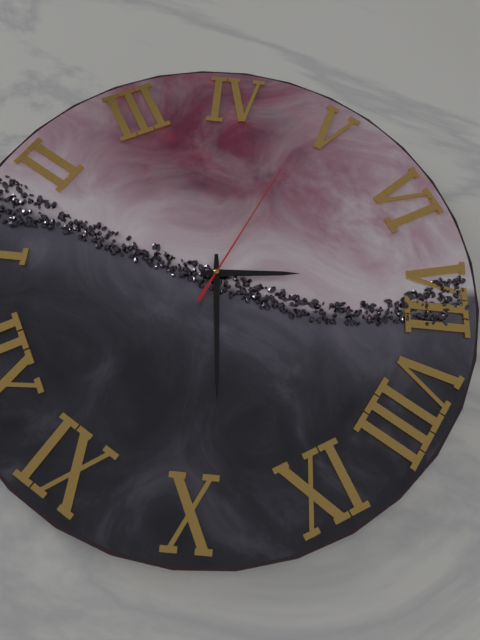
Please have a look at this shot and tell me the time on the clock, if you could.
6:49:24
